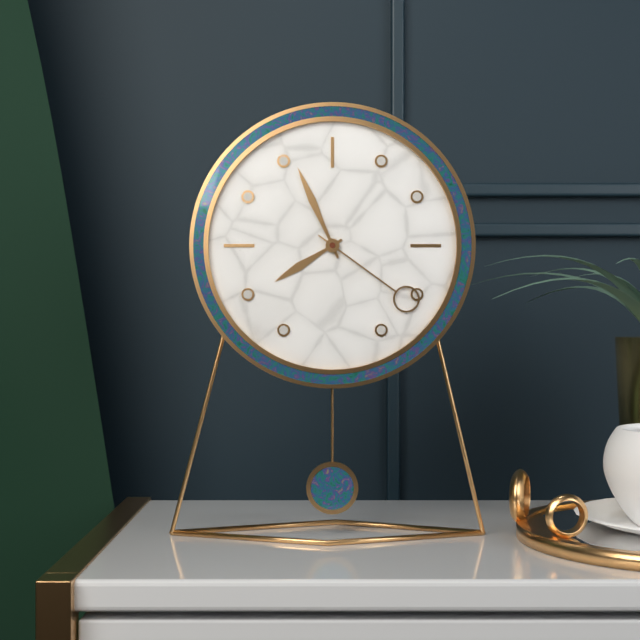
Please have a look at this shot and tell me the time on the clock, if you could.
7:56:21
